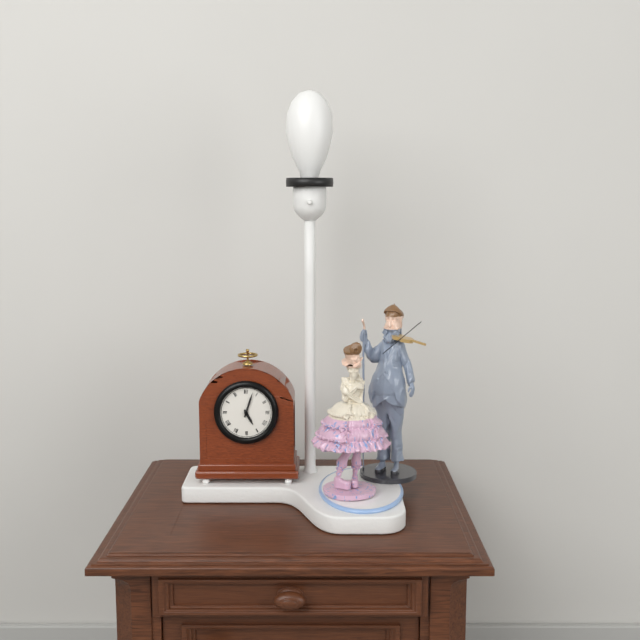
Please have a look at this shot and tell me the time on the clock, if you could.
5:03
